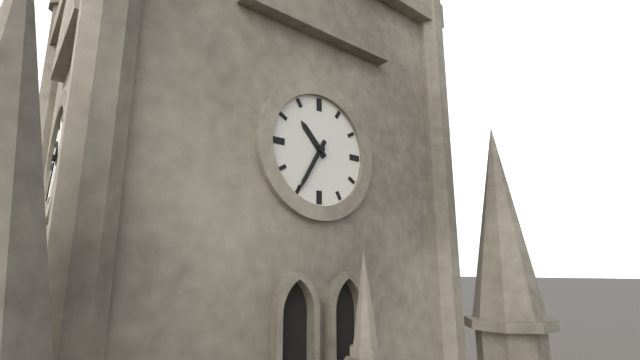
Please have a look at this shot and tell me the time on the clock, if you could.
10:35
